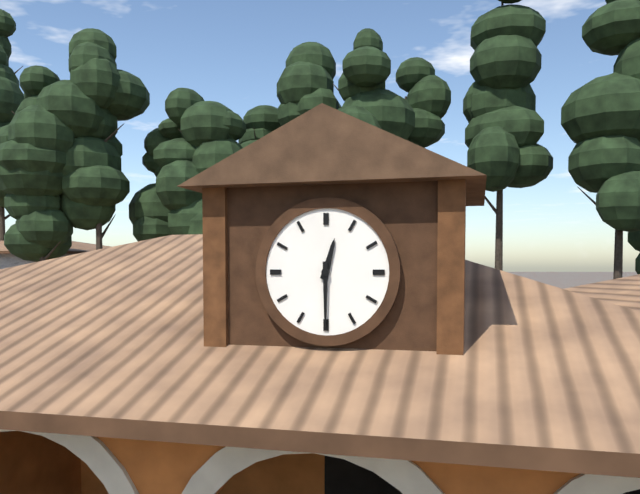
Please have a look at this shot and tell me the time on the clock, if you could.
12:30
